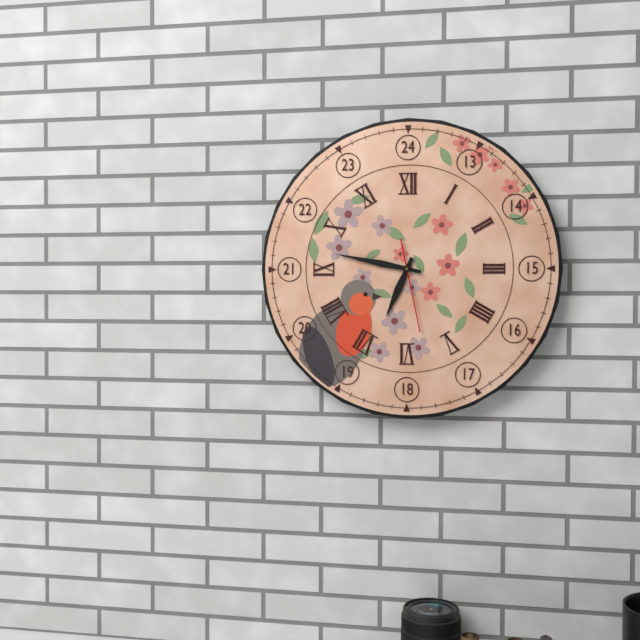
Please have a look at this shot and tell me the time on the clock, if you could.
6:47:28
